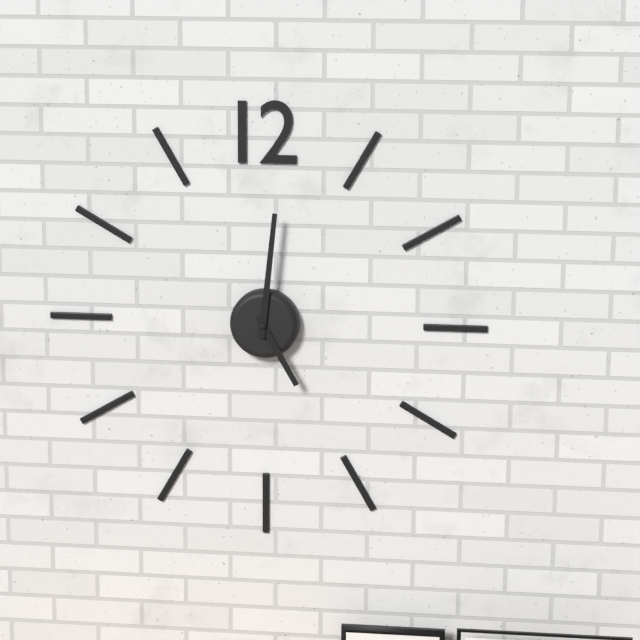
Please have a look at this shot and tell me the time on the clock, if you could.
5:01
